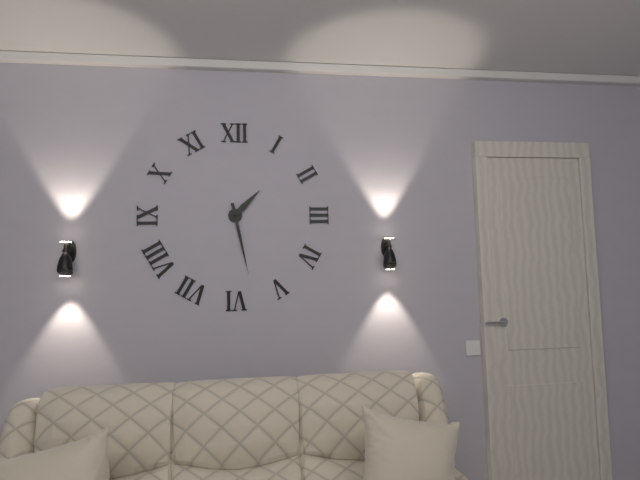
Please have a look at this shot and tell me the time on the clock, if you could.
1:28
